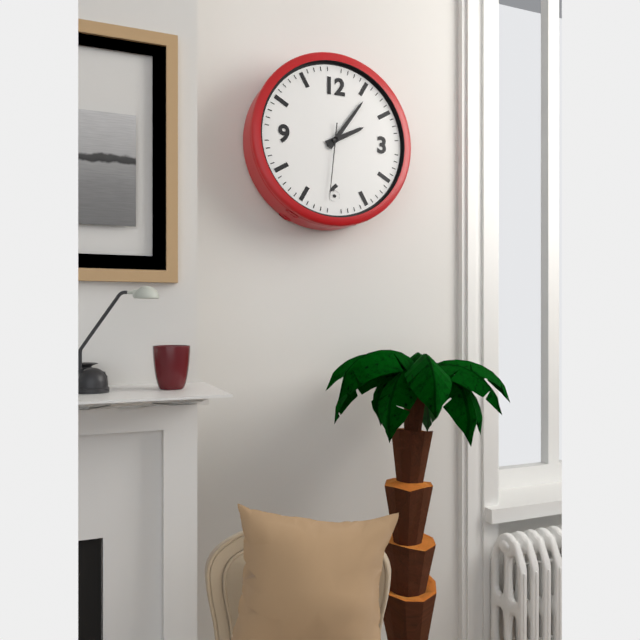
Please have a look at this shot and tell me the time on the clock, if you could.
2:06:31
